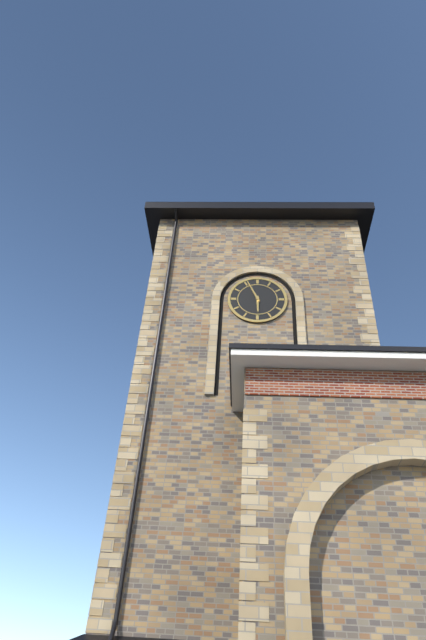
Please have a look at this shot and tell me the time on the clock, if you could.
5:56
